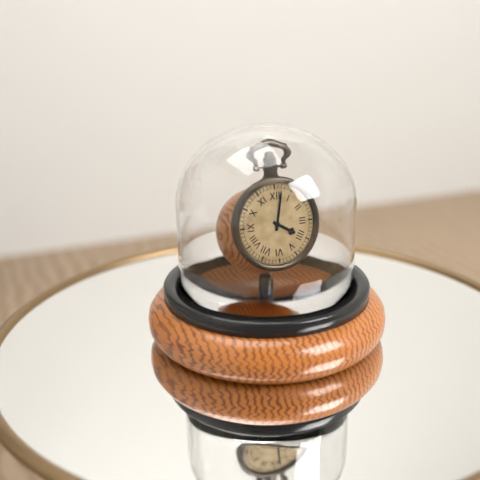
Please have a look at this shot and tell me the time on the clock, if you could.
4:02
